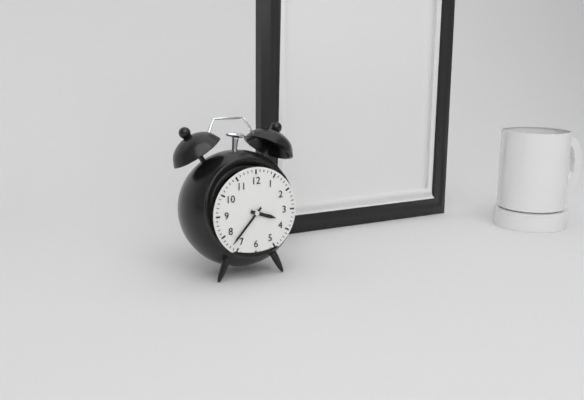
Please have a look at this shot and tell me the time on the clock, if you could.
3:37
